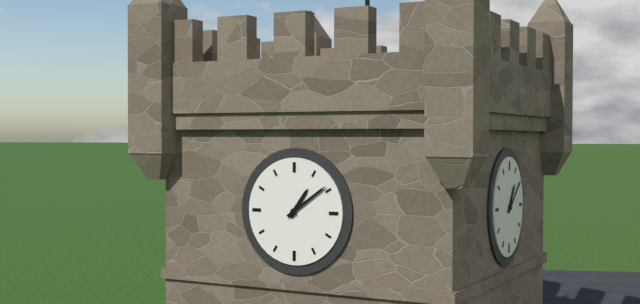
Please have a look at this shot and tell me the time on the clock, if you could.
1:09
